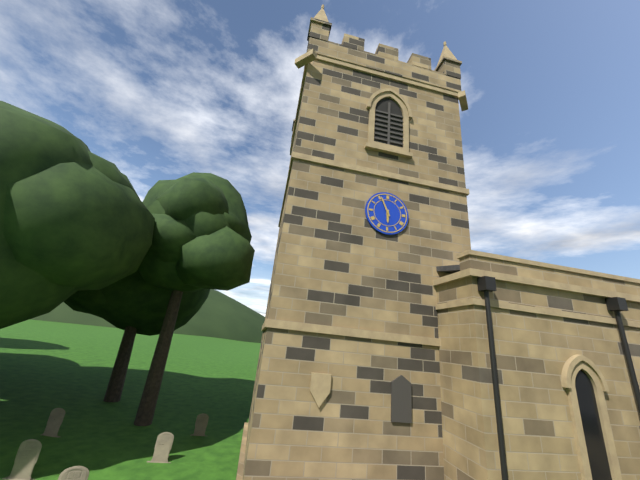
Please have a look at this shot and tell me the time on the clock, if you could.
5:56
